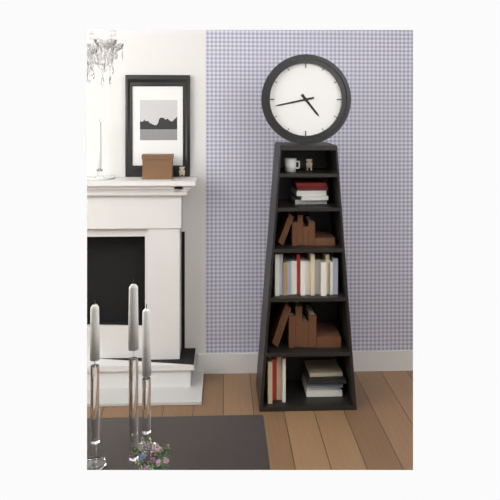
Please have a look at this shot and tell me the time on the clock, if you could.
4:43
